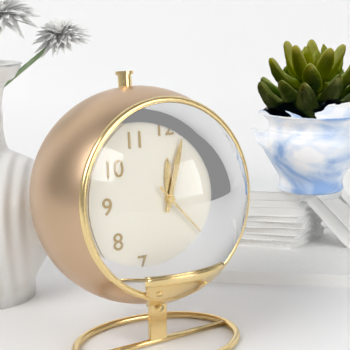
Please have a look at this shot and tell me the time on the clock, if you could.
12:03:23
